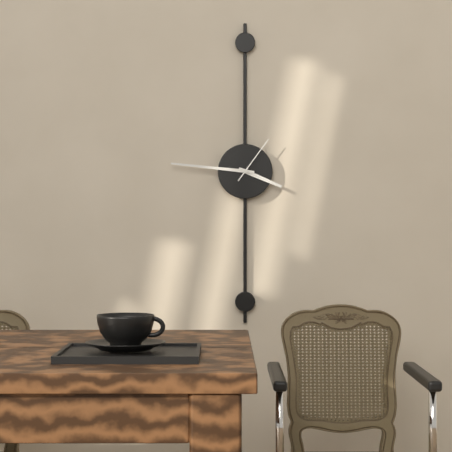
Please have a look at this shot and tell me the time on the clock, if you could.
3:46
